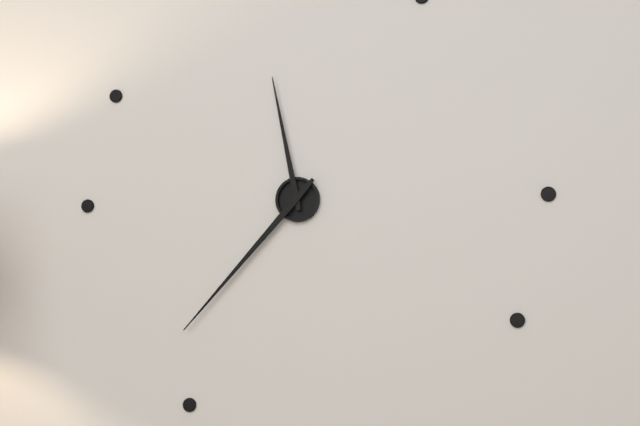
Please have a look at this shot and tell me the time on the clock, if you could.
11:37
